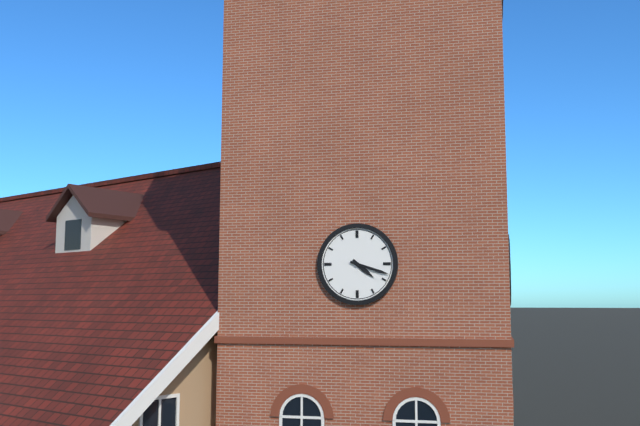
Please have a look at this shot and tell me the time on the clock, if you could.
4:18
